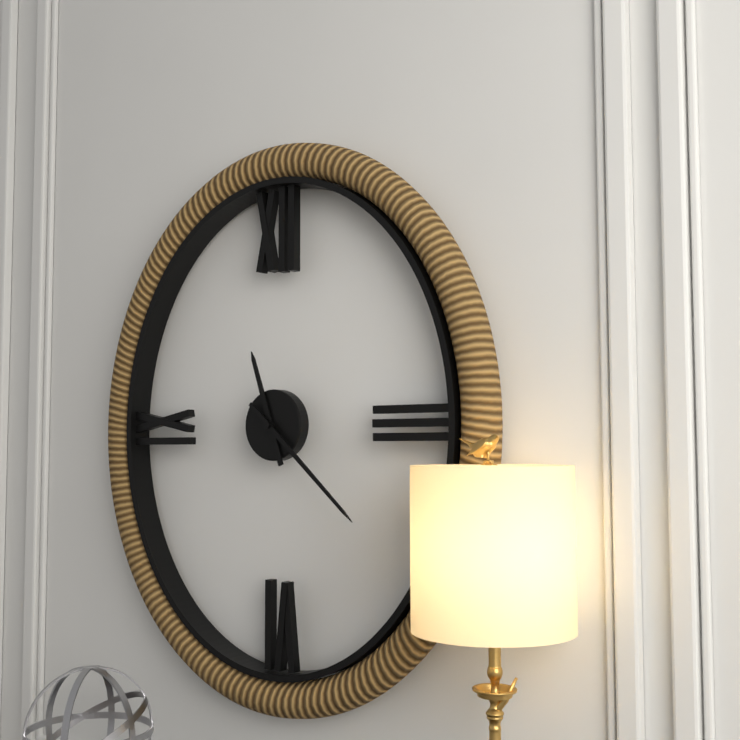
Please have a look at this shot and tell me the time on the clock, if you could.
11:22
